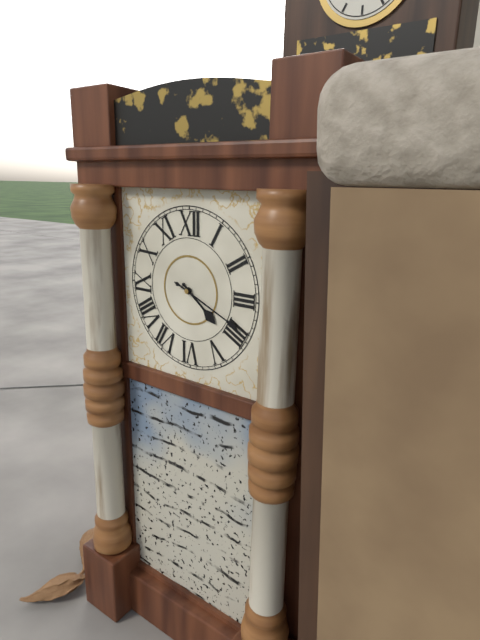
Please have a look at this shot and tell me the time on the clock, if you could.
4:19
